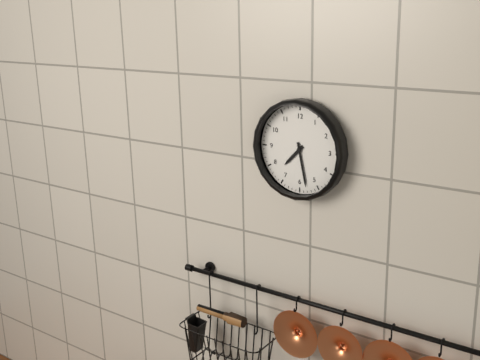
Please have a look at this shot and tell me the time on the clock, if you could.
7:28
